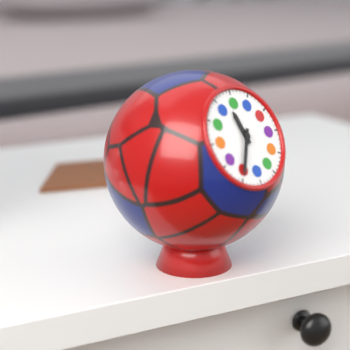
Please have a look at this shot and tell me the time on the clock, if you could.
11:35
